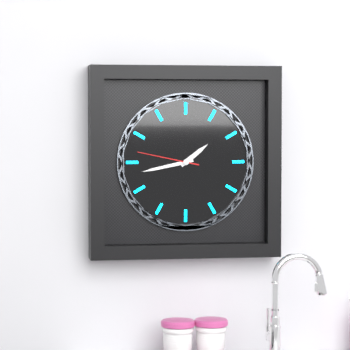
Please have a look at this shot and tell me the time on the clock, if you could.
1:43:47
